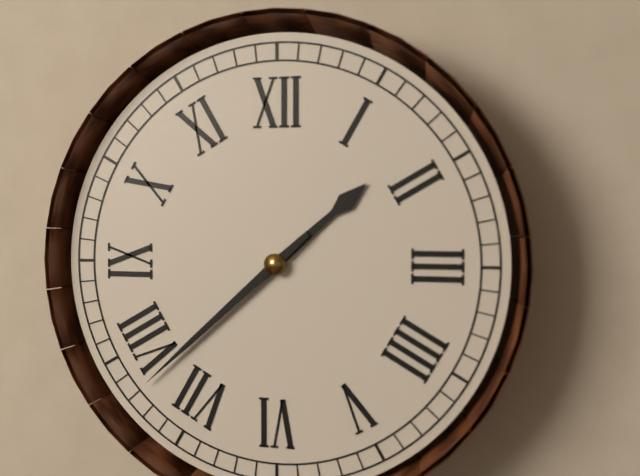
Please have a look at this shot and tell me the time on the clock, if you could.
1:38
